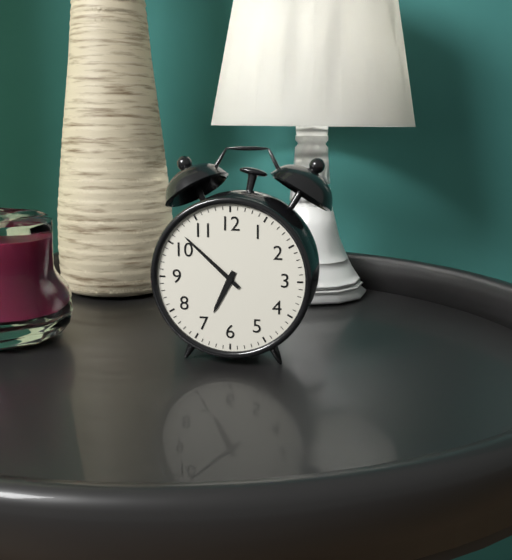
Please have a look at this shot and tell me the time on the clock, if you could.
6:52
